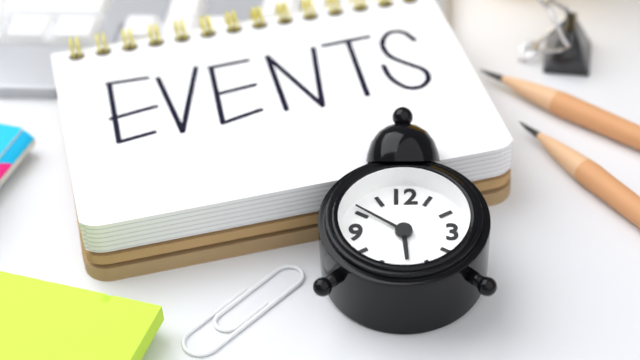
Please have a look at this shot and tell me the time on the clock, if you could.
5:51
